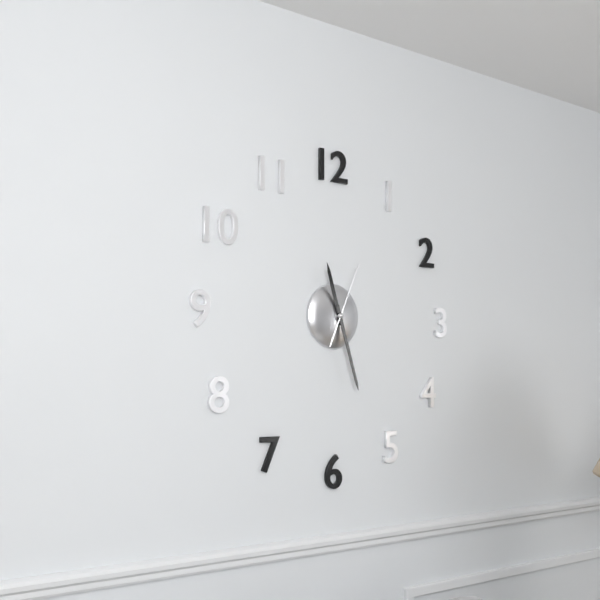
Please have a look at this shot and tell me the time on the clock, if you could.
11:27:04
